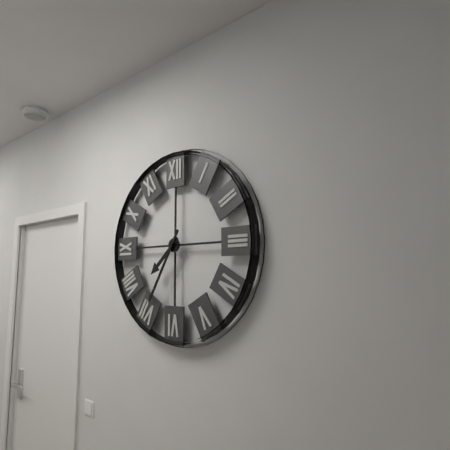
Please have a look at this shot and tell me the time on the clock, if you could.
7:35
